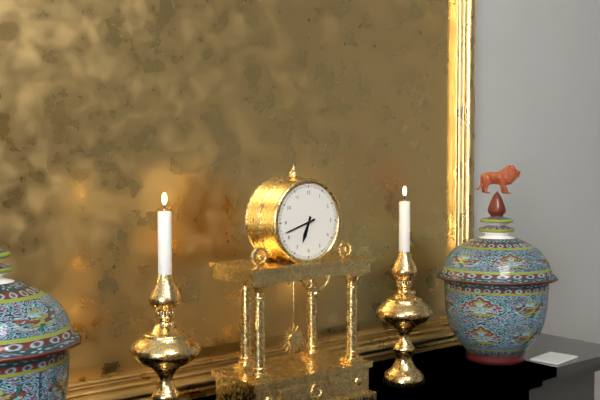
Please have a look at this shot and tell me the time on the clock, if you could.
6:42
